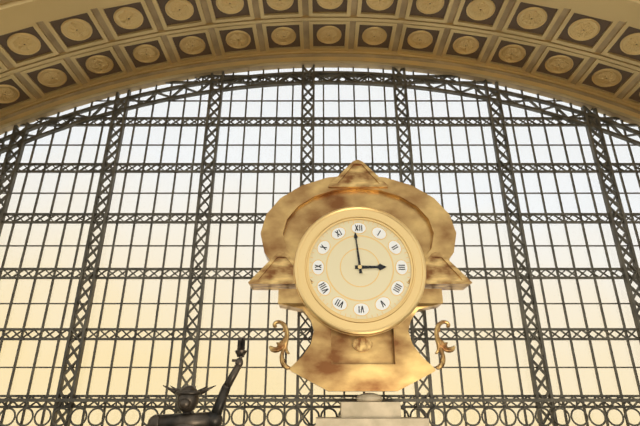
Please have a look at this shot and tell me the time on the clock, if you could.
2:59
